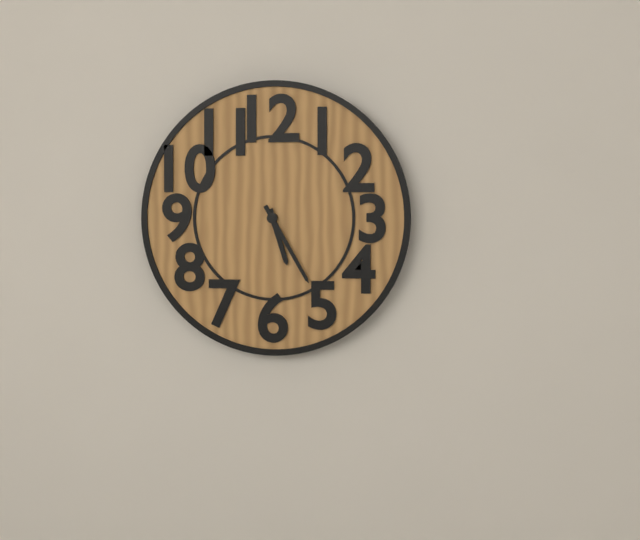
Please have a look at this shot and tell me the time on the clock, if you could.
5:25
